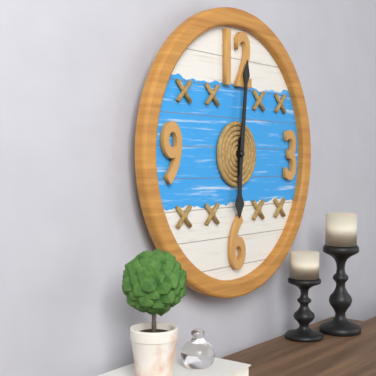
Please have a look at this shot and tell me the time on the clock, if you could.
6:01
